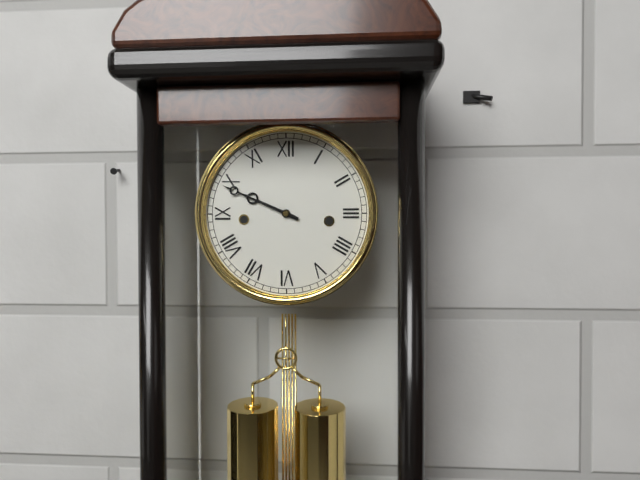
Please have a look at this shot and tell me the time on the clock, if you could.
9:49
